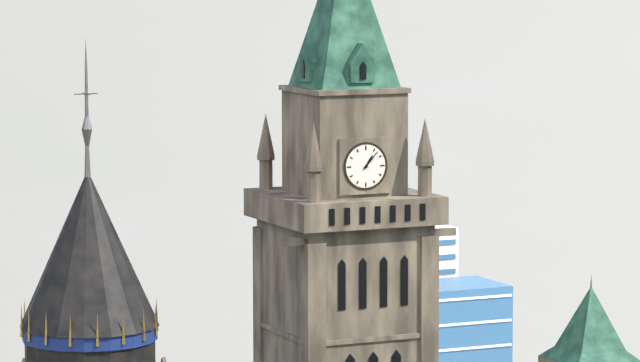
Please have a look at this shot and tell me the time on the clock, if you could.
1:07
